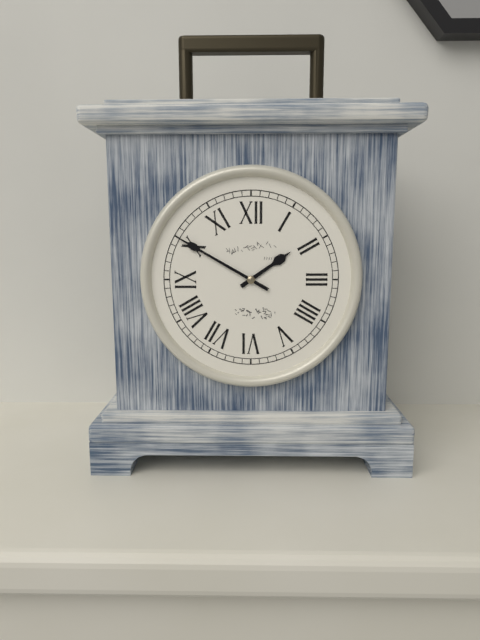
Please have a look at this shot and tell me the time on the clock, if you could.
1:50
